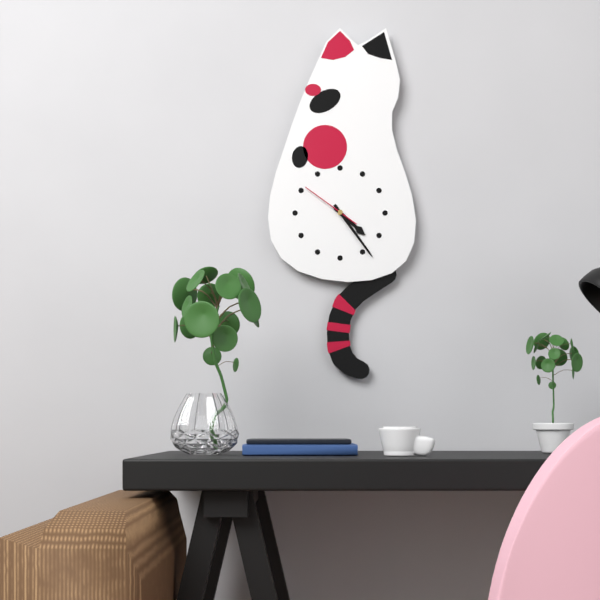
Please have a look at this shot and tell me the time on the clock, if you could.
4:24:51
